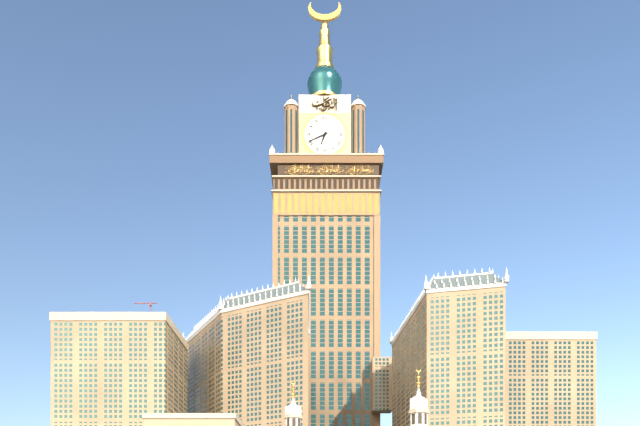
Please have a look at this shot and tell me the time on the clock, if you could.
6:41
